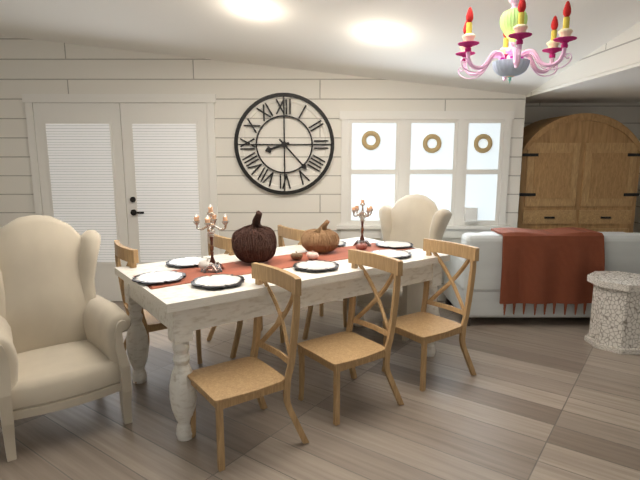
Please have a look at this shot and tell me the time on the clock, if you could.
8:23
